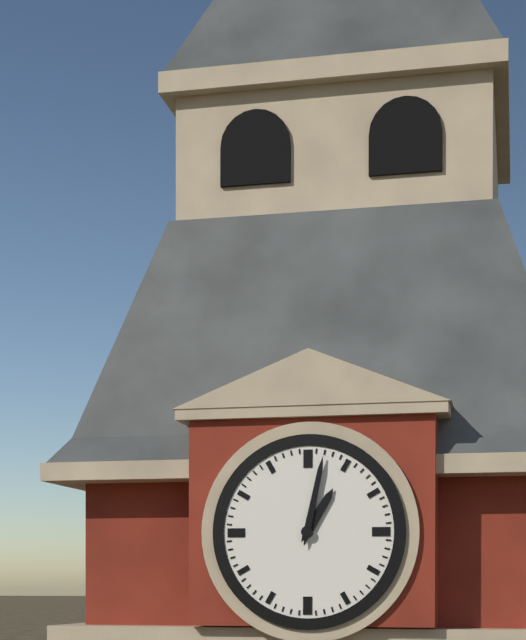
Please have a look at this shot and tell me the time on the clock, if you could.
1:02
